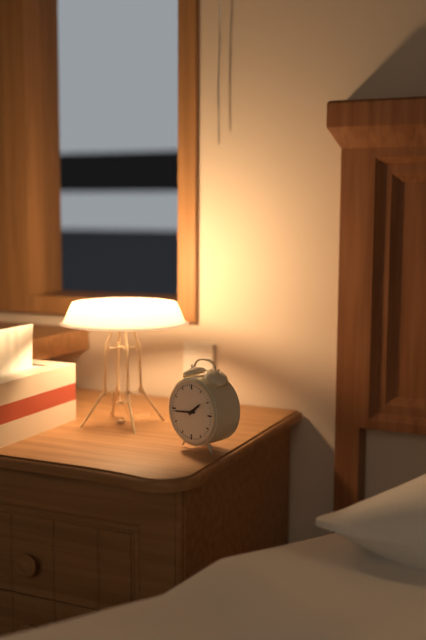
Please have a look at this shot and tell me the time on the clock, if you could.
1:44
